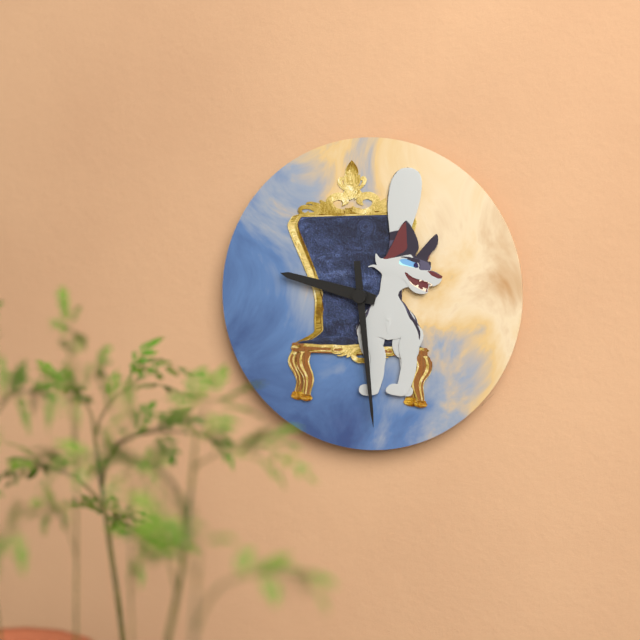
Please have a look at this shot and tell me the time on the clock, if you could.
9:29
